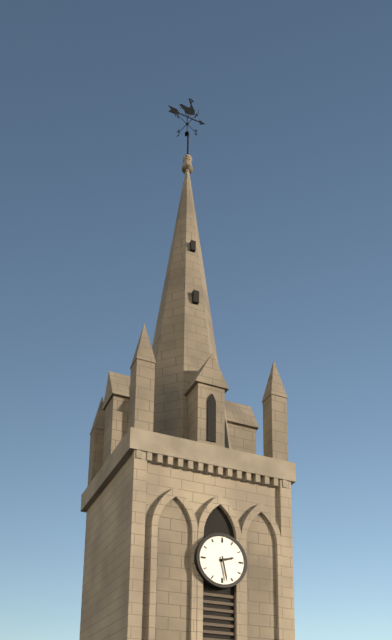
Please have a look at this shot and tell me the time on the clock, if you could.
2:28
